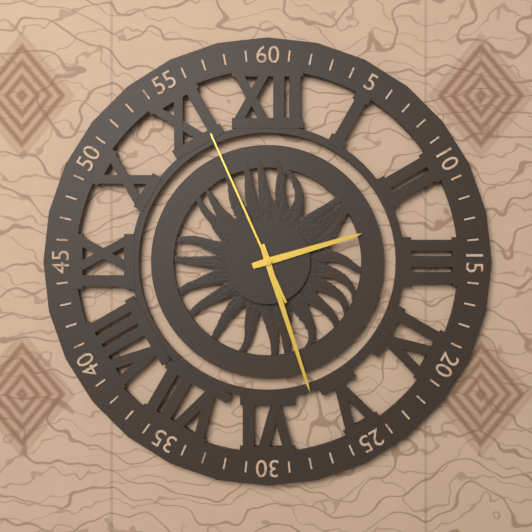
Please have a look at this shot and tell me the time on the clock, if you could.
2:27:56
